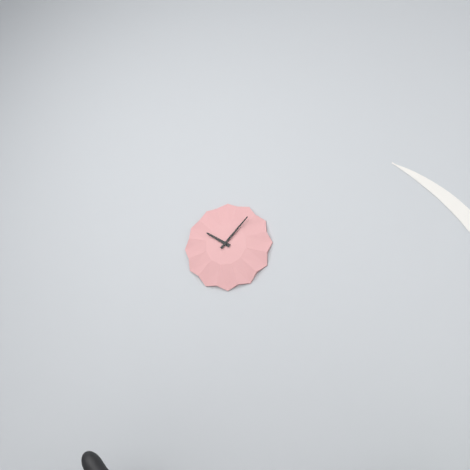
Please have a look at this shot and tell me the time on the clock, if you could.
10:07
